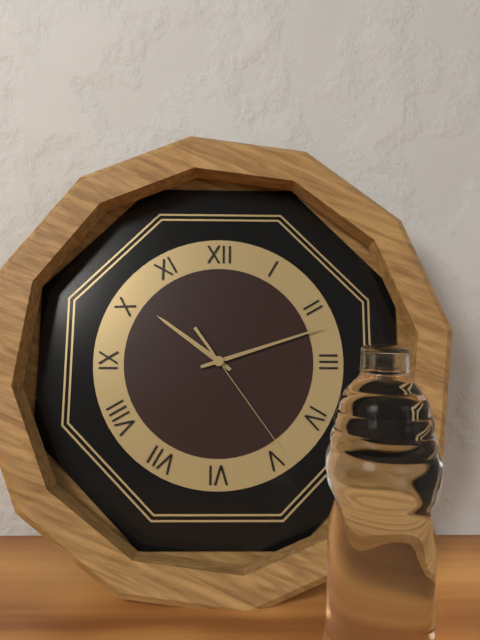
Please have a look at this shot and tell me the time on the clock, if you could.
10:12:24
